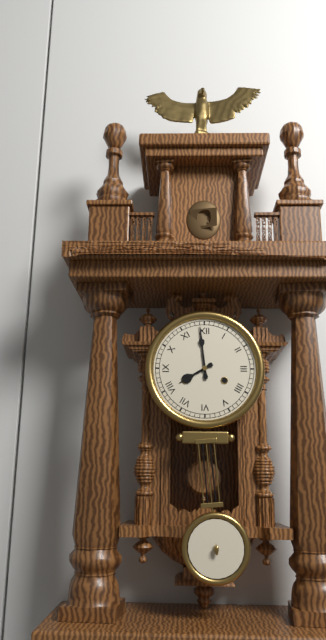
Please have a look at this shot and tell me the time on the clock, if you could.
7:59
